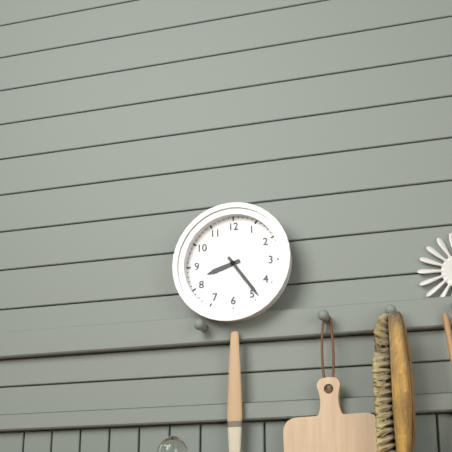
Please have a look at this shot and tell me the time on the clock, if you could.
8:24
